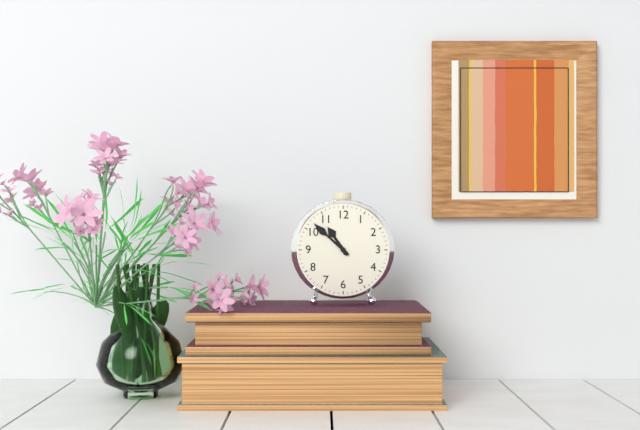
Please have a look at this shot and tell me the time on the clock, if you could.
10:52
